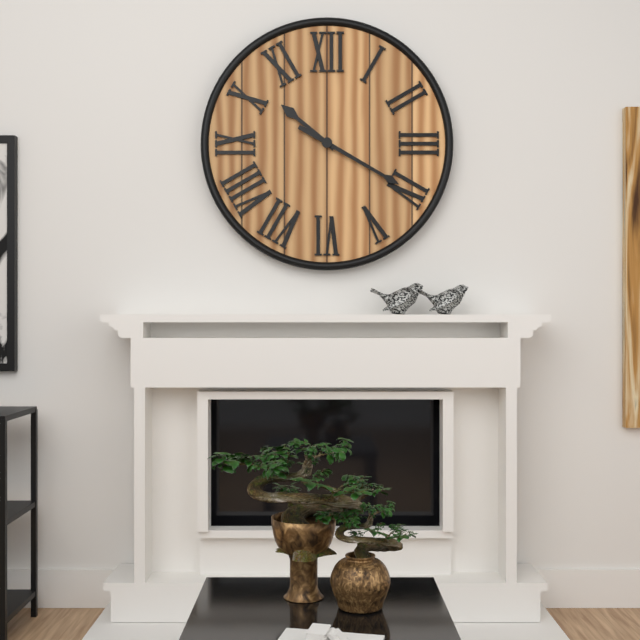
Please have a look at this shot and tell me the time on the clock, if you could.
10:20
